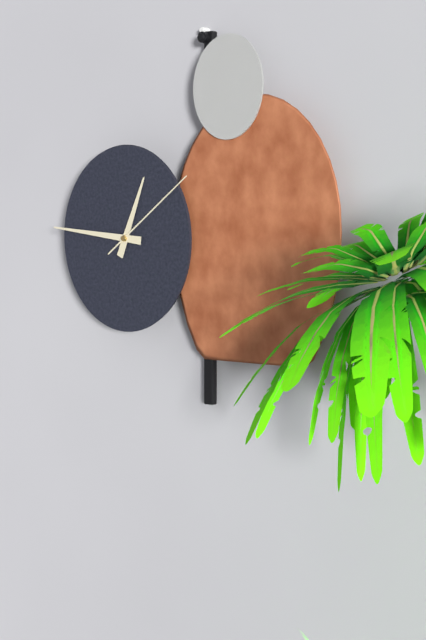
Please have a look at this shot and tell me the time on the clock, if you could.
12:46:09
